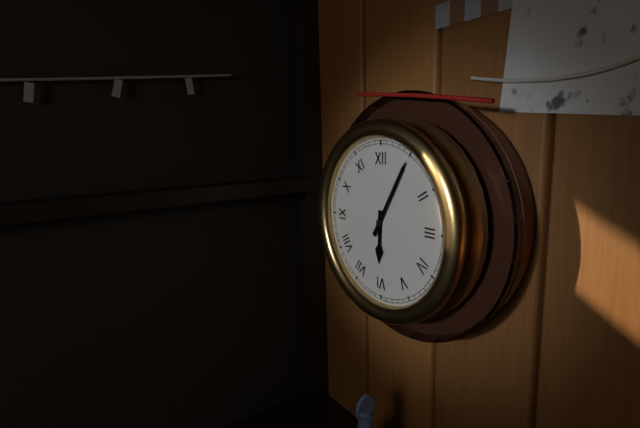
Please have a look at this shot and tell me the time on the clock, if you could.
6:05
